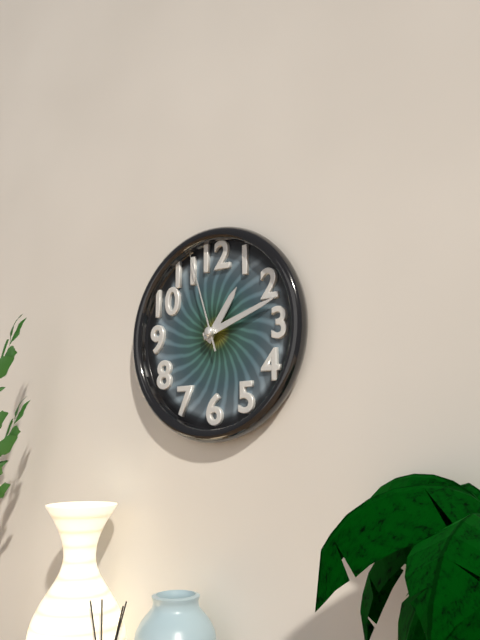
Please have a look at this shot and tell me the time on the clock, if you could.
1:12:57
